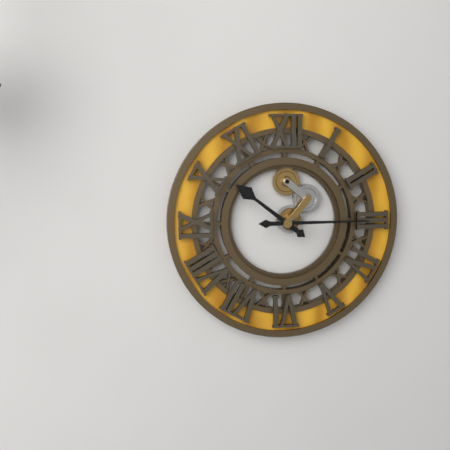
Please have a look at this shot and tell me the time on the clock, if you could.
10:15
